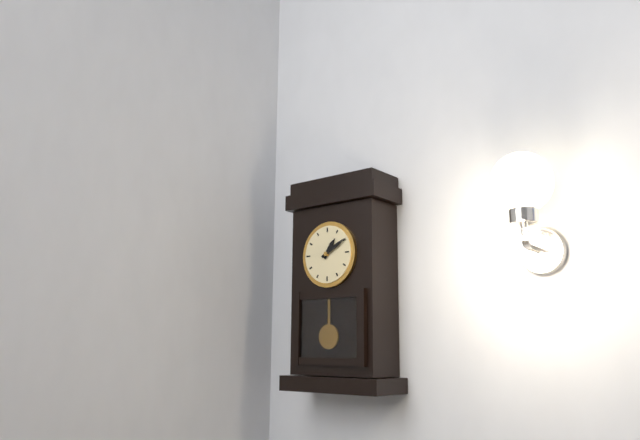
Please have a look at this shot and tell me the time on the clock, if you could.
1:10
